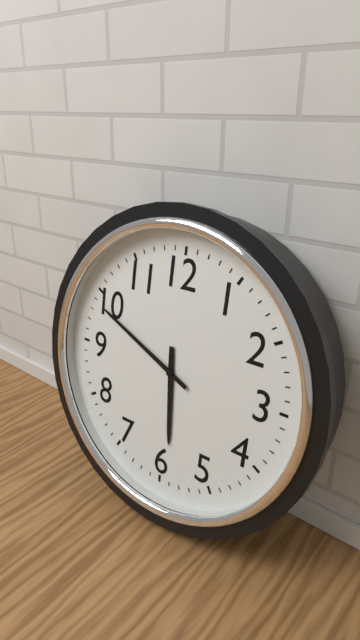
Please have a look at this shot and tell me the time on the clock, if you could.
5:49
